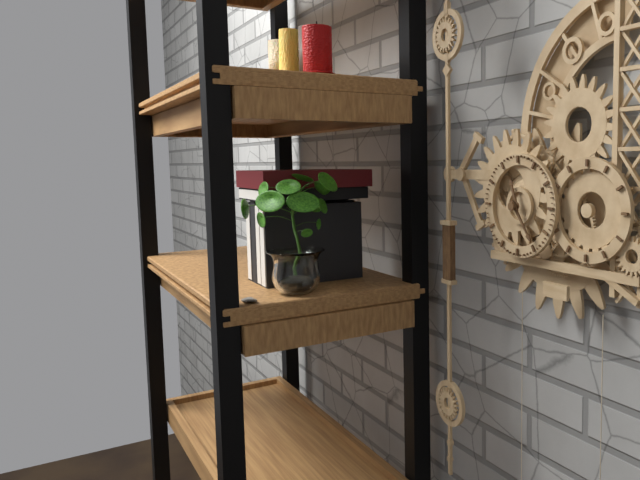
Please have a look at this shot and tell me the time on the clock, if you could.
11:24
